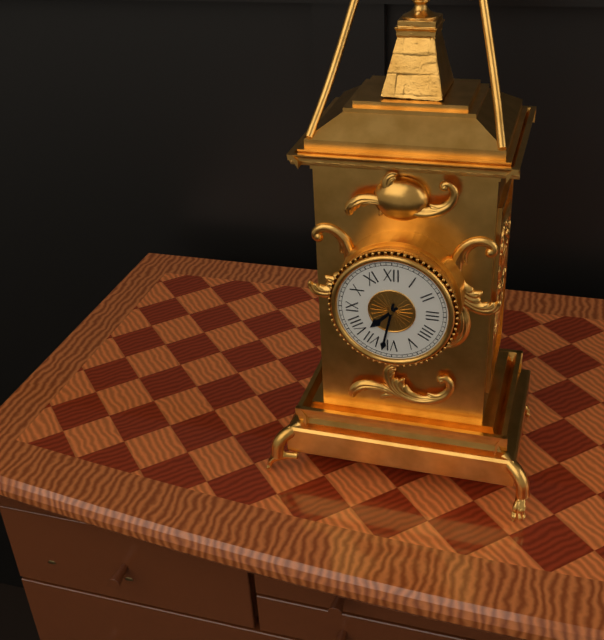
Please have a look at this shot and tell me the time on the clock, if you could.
7:32
